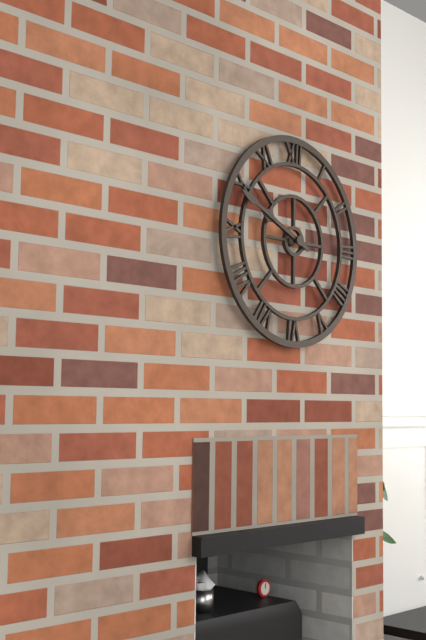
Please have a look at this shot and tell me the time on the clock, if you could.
9:49
